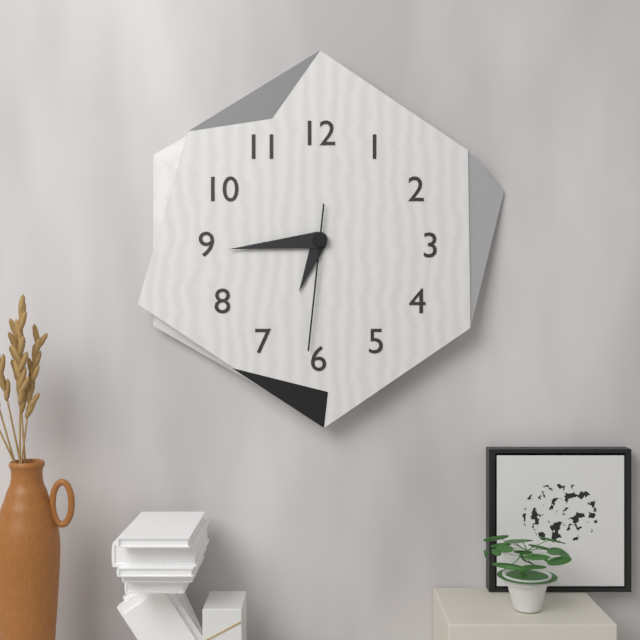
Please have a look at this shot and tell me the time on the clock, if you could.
6:44:31
